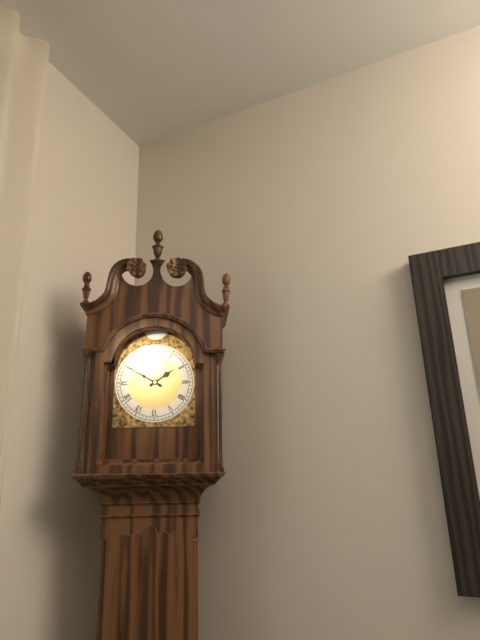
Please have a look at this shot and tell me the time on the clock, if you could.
1:50
